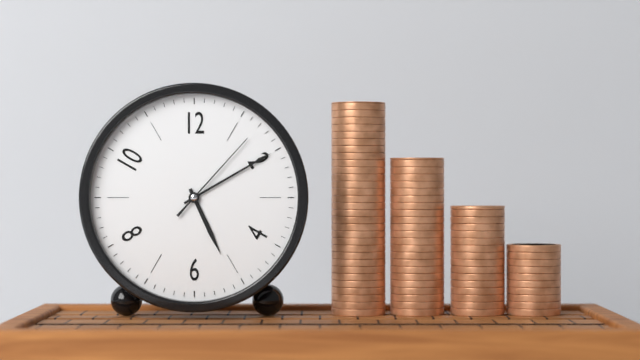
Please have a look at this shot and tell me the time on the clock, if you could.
5:10:07
